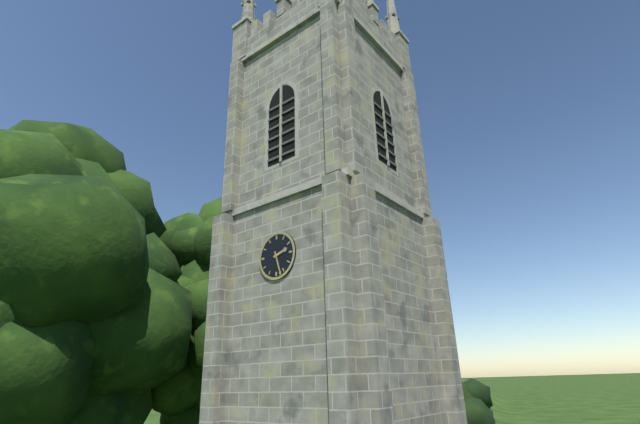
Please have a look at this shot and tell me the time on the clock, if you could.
2:27
